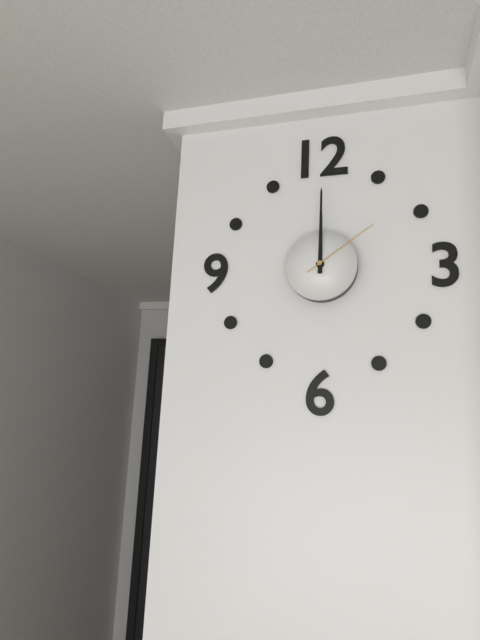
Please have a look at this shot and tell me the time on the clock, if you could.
12:00:09
